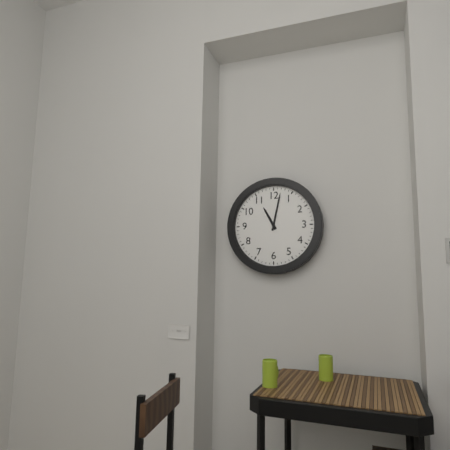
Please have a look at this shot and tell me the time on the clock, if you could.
11:02
